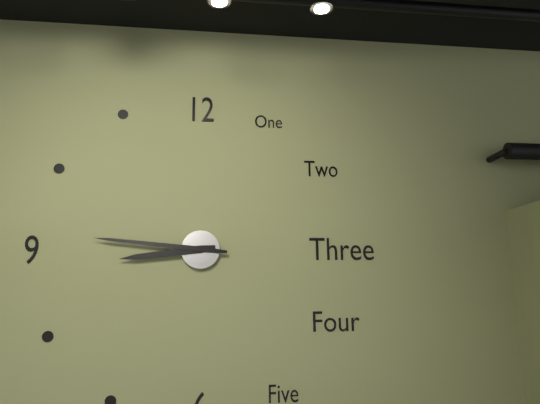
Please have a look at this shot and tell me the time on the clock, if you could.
8:46
